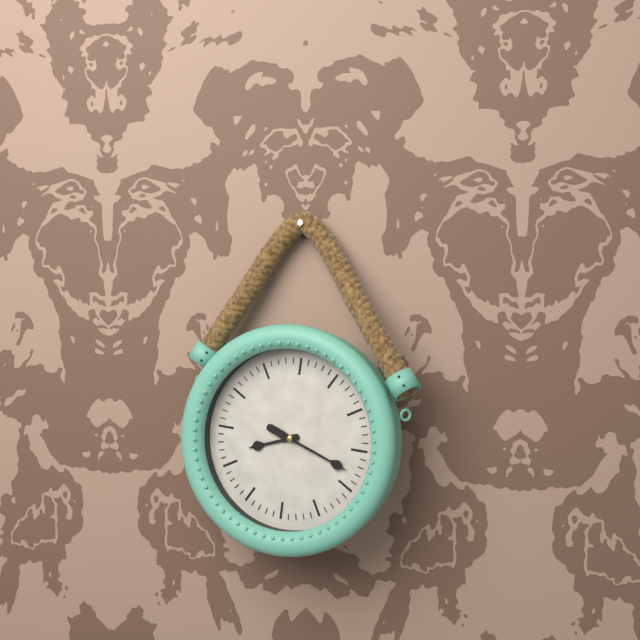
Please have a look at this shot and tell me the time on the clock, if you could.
8:18
